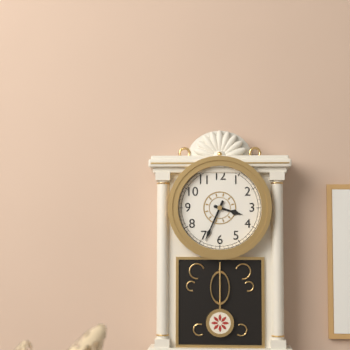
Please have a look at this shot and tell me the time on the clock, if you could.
3:34
